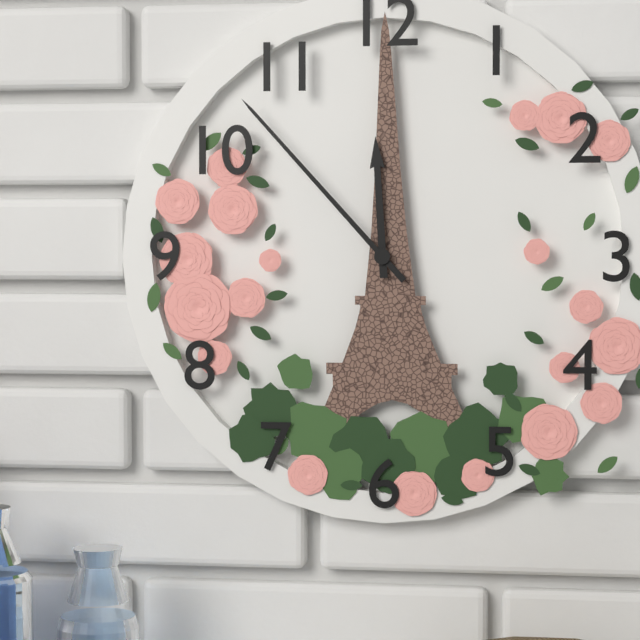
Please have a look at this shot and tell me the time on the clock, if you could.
11:53
